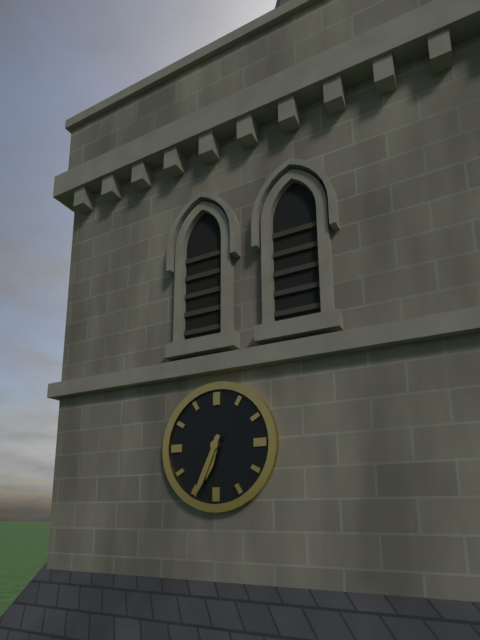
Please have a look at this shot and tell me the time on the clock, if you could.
6:34
